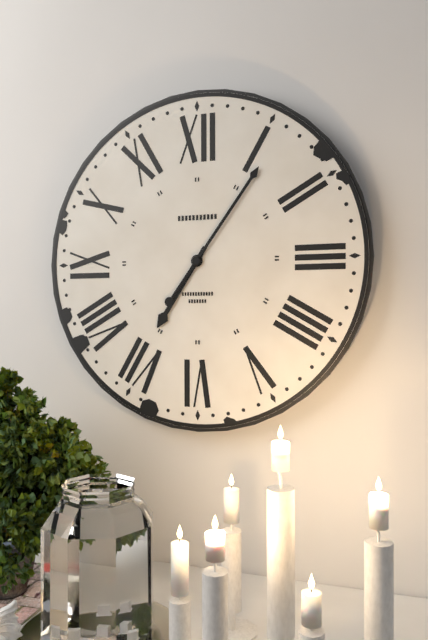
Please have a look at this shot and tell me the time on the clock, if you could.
7:06
